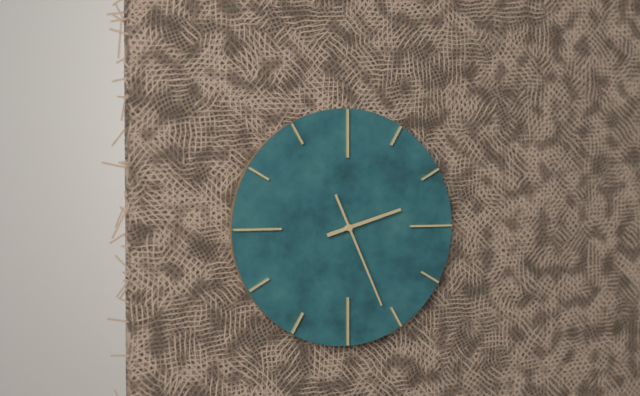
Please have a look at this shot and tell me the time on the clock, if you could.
2:26
